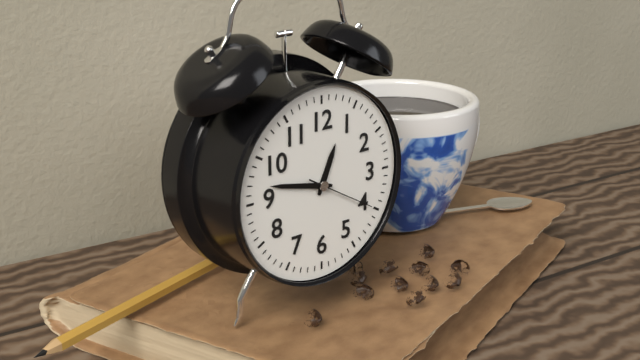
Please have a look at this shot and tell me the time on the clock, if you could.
12:47:20
